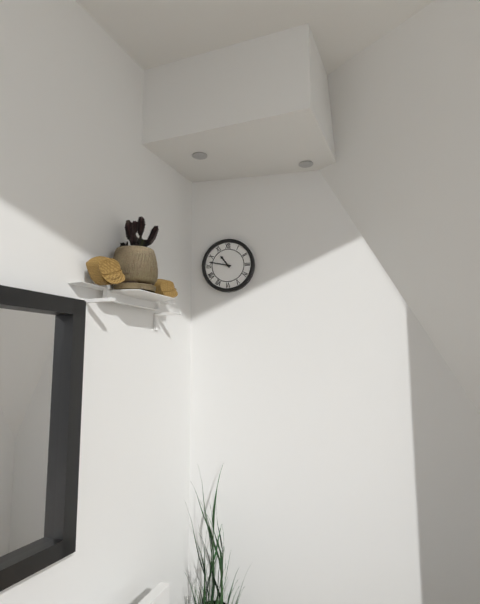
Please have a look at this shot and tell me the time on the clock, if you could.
10:47
